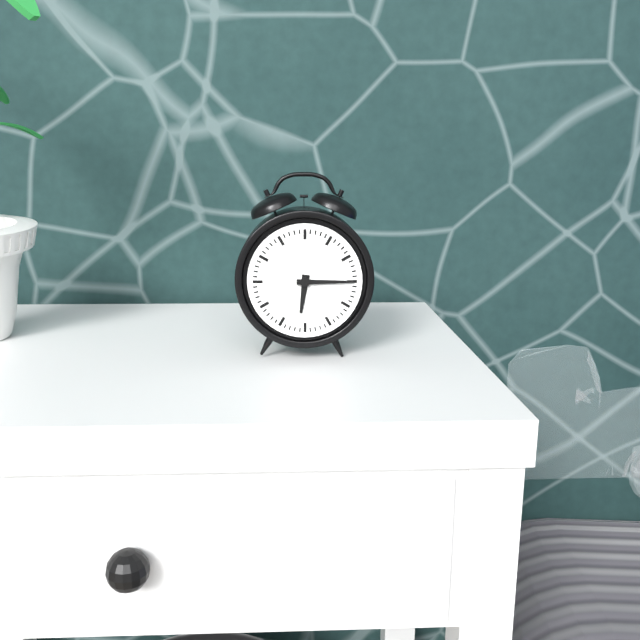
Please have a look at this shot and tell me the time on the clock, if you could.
6:15
